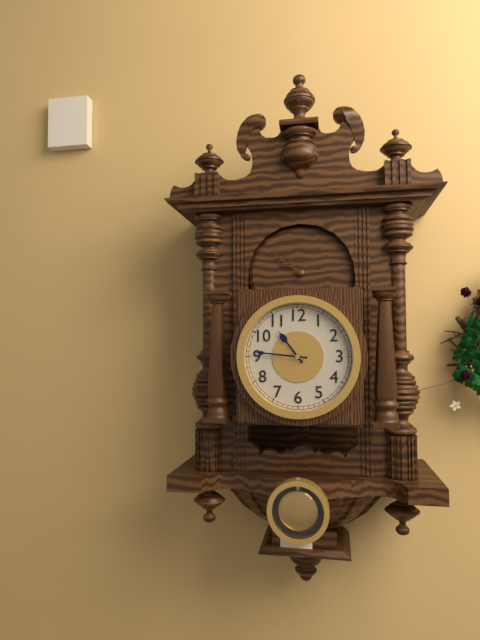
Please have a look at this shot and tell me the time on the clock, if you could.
10:46
